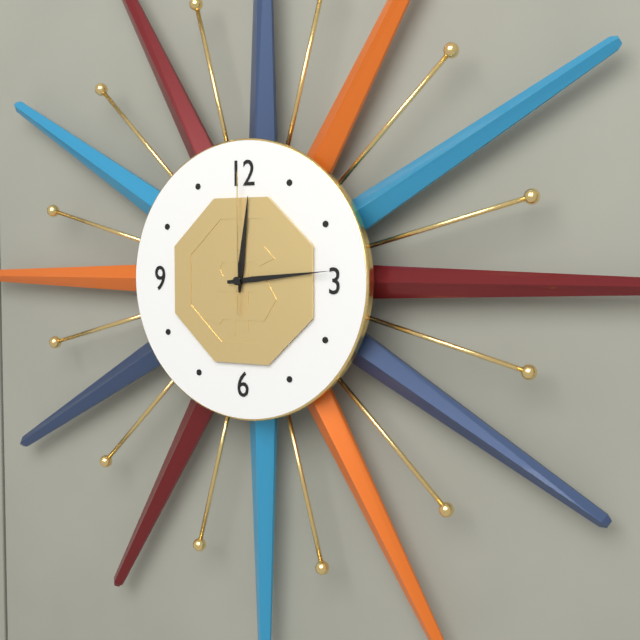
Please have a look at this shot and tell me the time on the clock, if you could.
12:14:00
